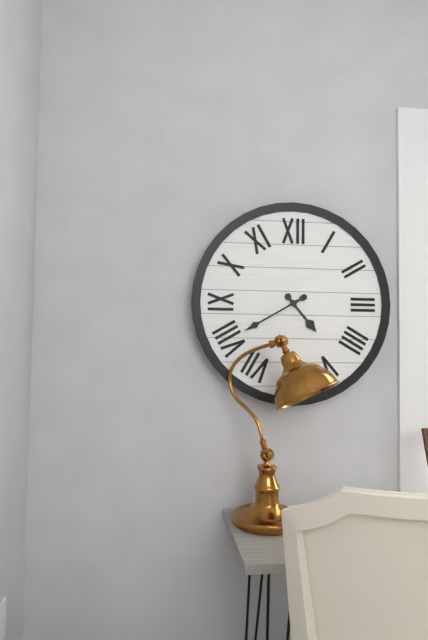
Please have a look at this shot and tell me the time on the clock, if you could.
4:40
